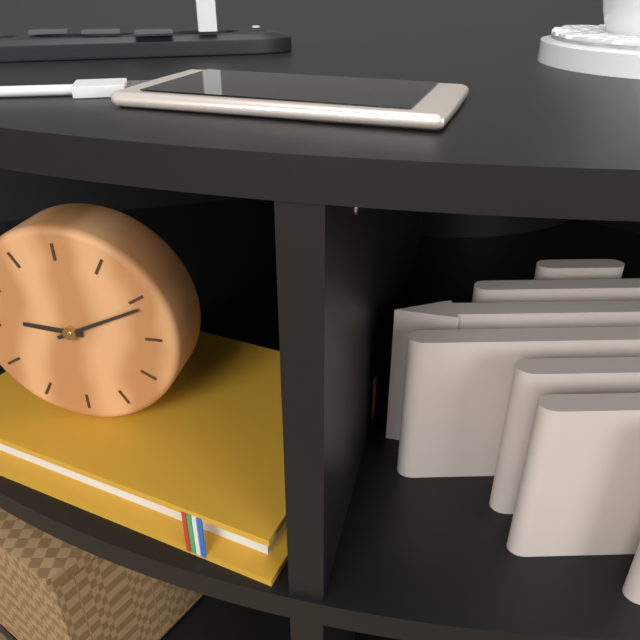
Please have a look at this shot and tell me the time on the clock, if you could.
9:11
